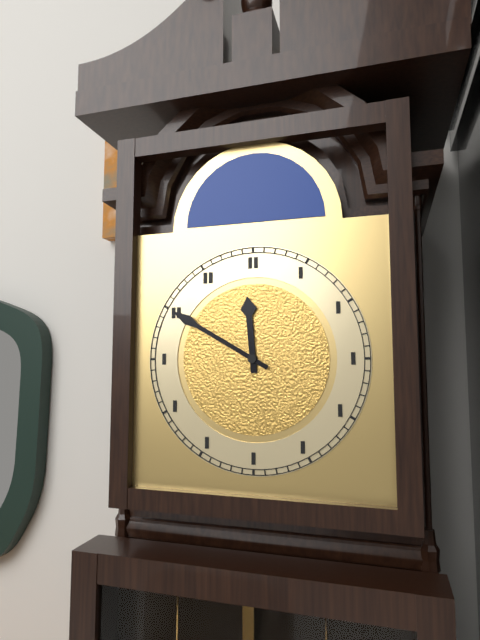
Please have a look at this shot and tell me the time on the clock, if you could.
11:50
